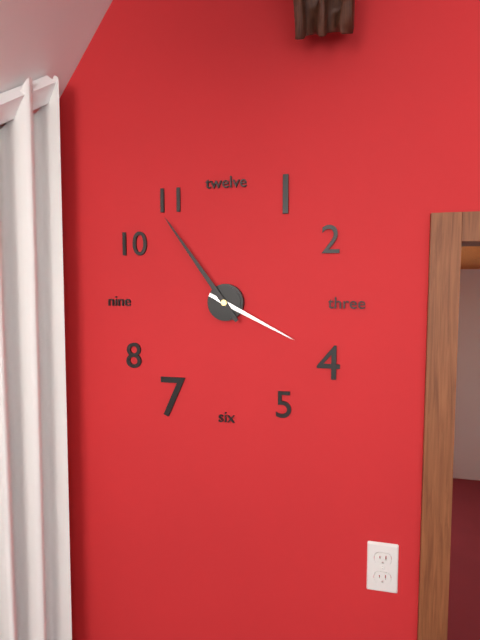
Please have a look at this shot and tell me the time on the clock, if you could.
3:54
